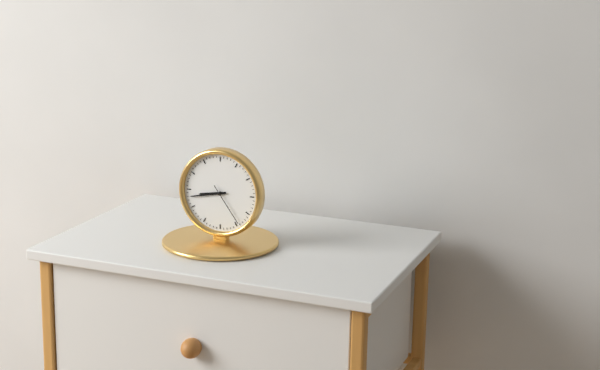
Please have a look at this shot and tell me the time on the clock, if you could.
8:43
